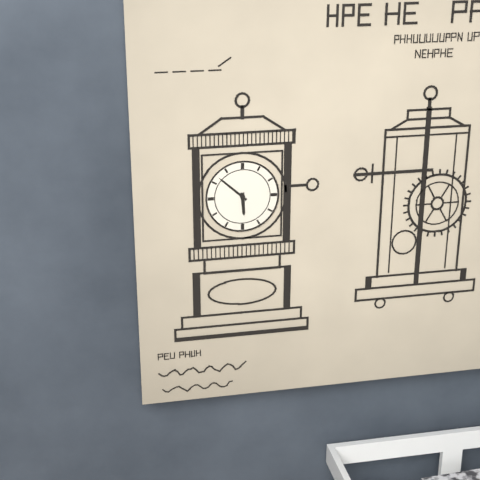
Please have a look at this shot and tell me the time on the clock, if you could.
5:52
